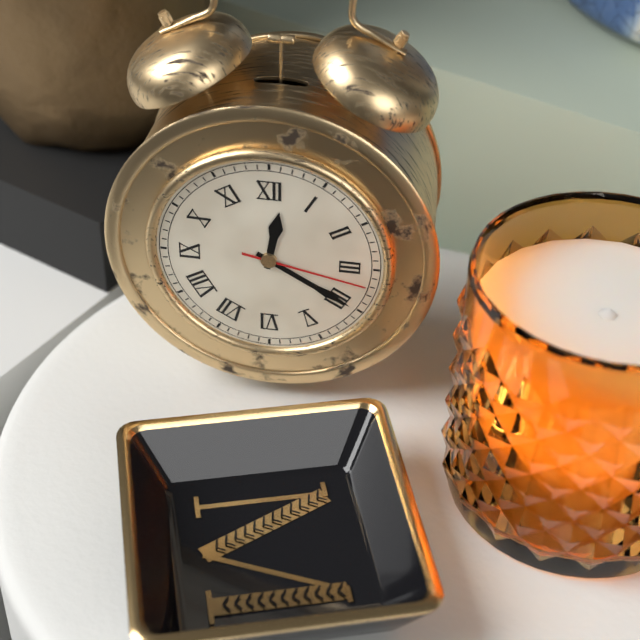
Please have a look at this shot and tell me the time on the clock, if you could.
12:20:17
